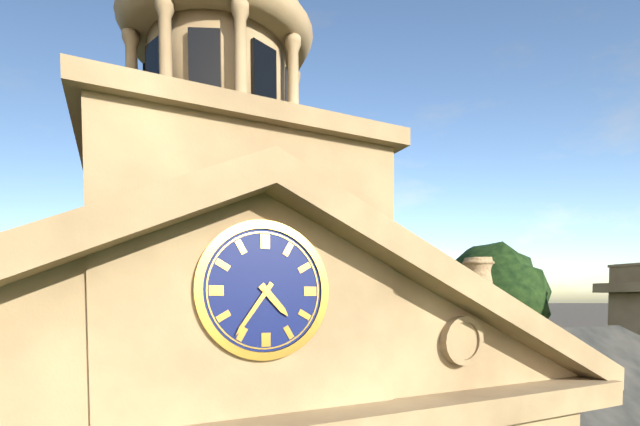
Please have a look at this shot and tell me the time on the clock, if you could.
4:36
